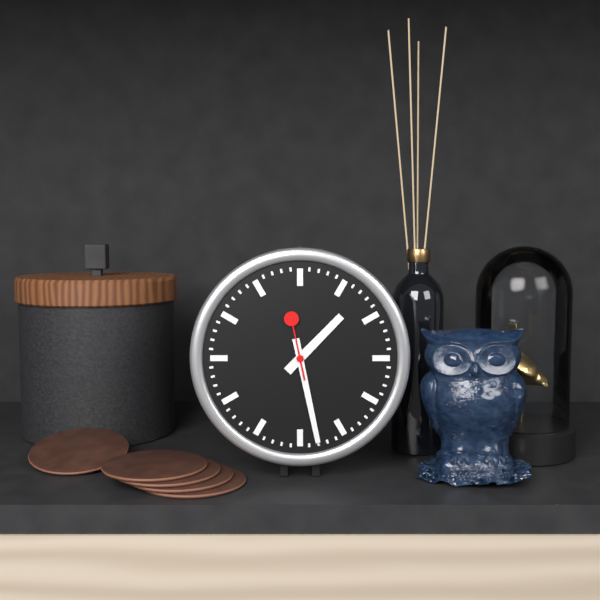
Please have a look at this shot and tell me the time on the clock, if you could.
1:28:58
